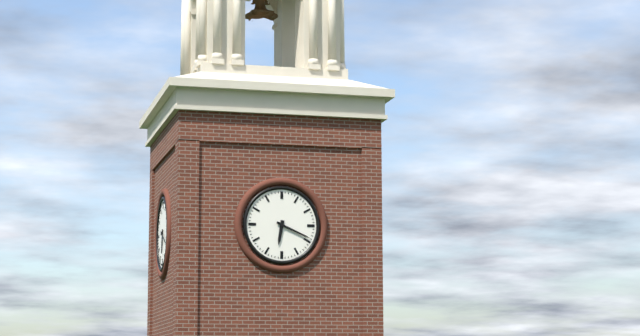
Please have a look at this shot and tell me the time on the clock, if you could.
6:19
